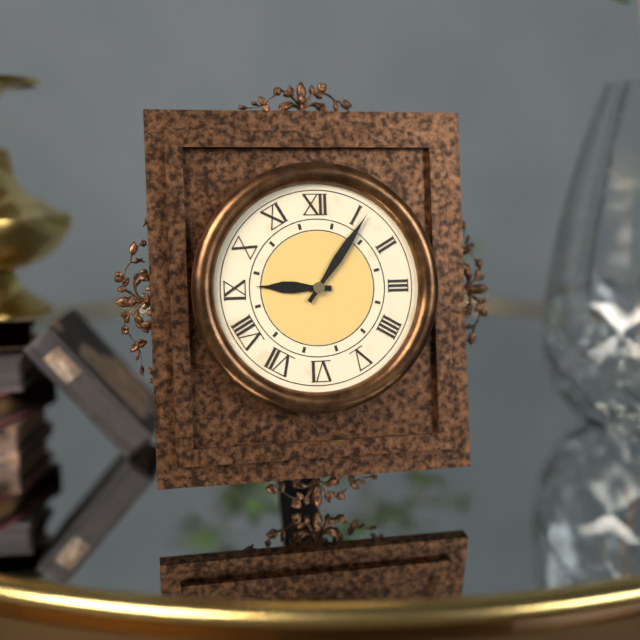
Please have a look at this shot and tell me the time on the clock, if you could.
9:06
